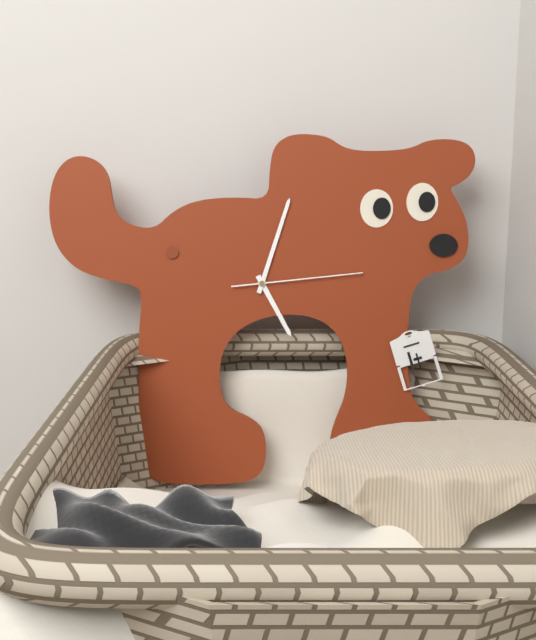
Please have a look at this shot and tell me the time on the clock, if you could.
5:03:14
